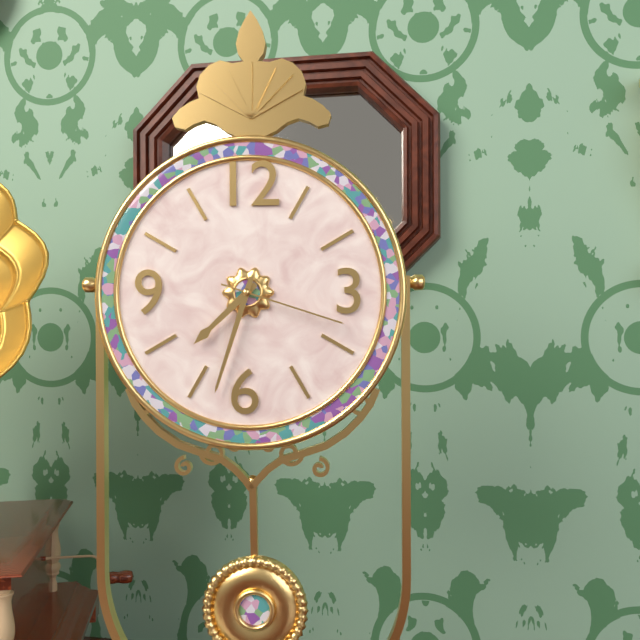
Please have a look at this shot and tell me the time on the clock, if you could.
7:33:18
